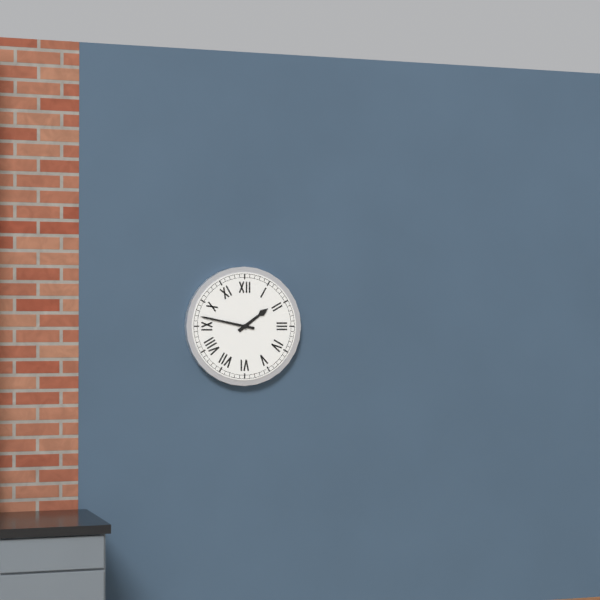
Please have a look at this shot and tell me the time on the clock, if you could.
1:47
